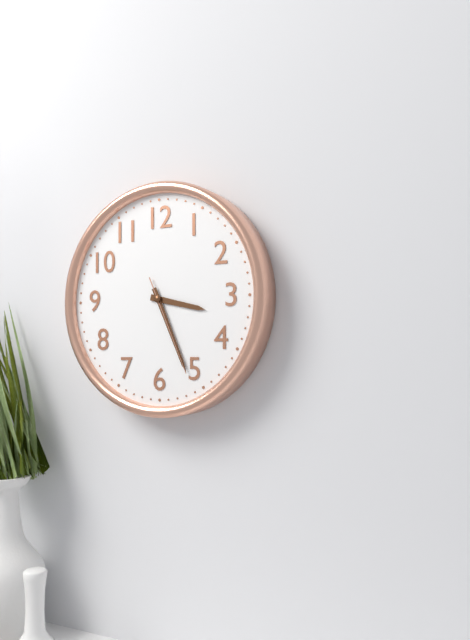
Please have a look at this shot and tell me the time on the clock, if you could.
3:26:26
